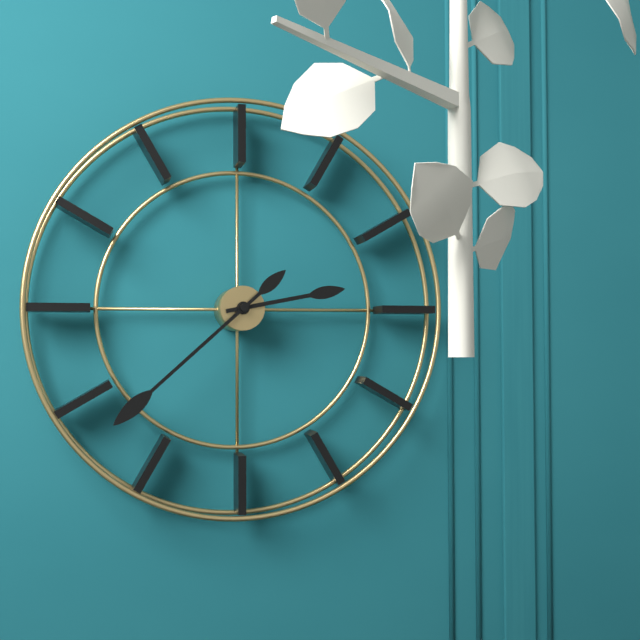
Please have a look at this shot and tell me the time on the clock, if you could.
2:38
